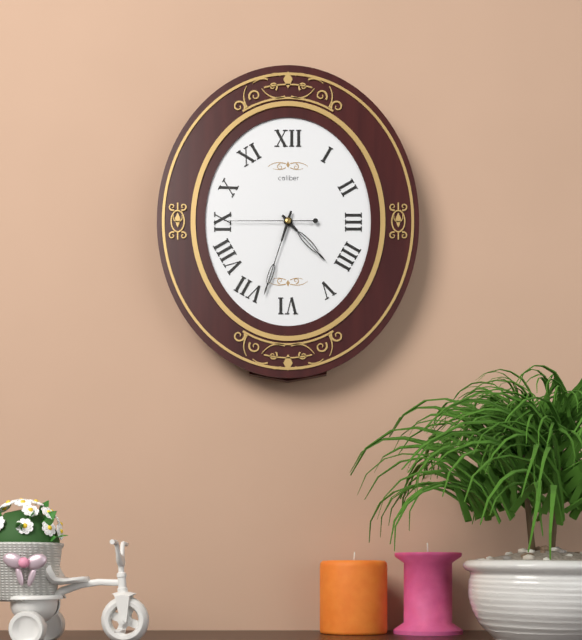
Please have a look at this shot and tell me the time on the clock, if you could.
4:33:45
